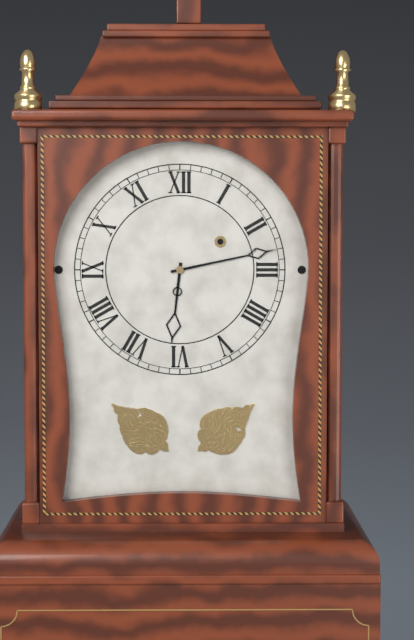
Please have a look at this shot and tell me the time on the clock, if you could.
6:13
